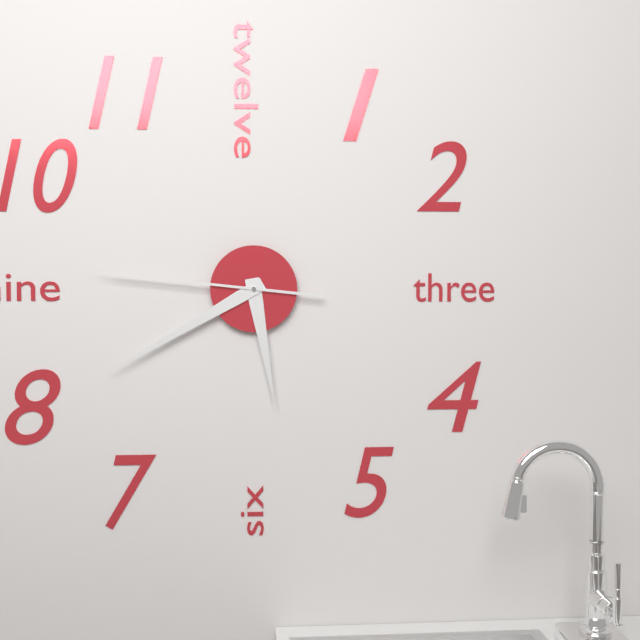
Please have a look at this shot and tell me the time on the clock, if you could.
5:40:46
